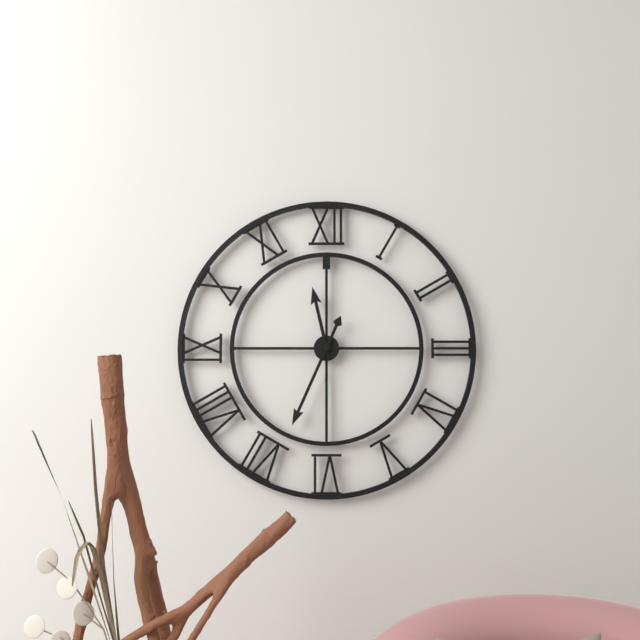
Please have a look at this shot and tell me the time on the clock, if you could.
11:34
